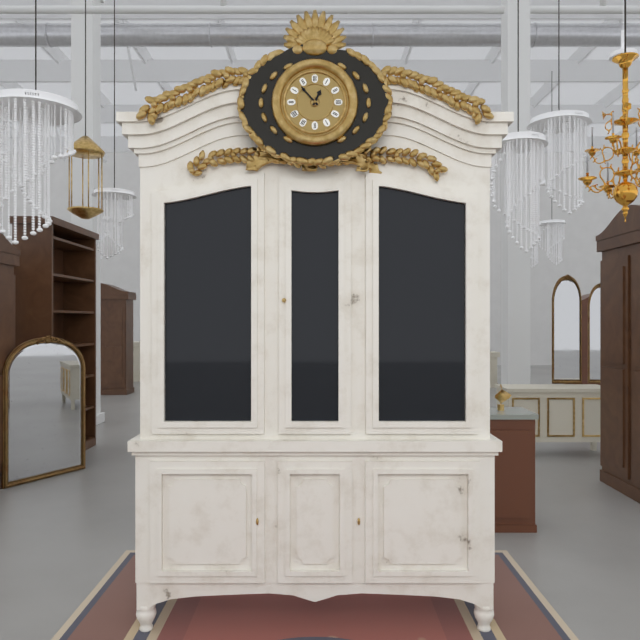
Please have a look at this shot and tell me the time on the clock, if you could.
12:53
